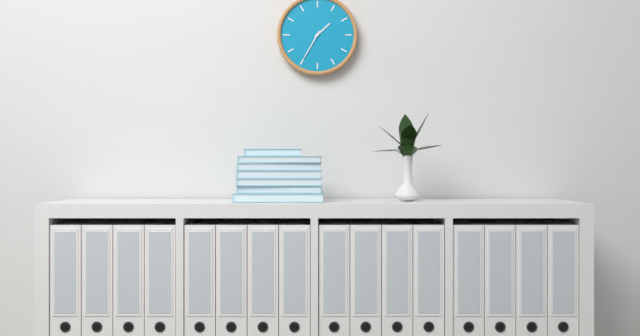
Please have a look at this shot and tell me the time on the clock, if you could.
1:35
